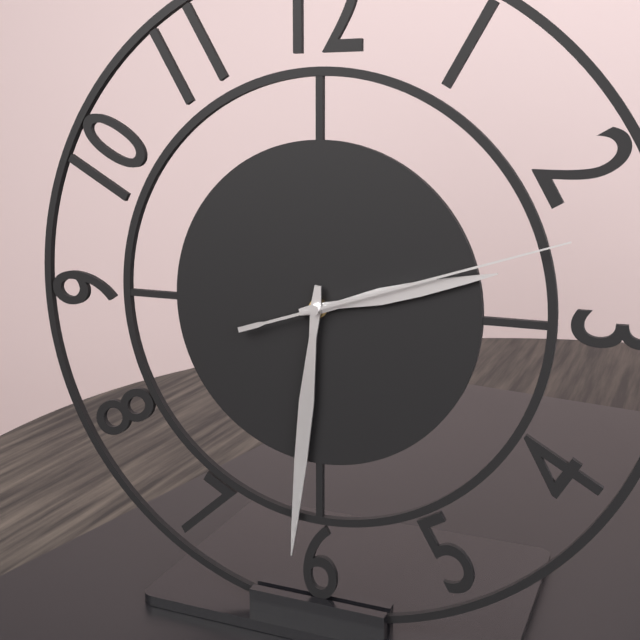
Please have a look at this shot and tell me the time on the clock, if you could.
2:31:12
